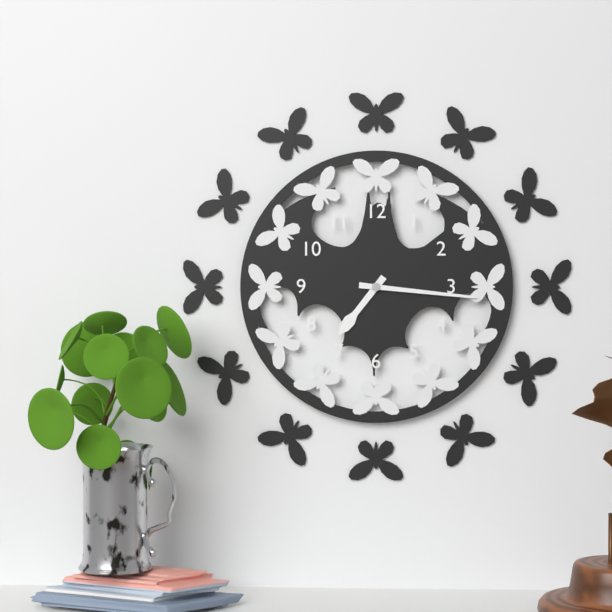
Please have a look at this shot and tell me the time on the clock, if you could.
7:16
